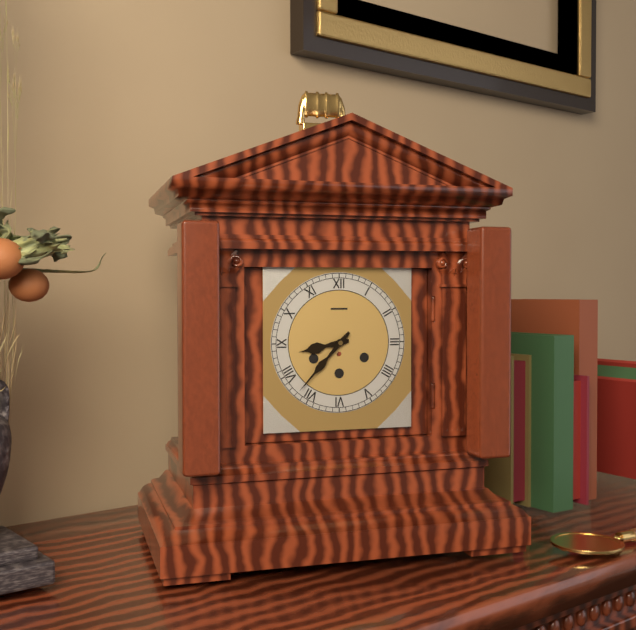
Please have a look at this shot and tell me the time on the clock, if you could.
8:37
